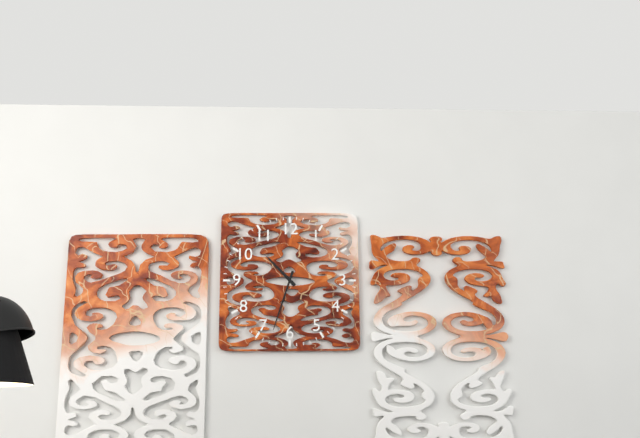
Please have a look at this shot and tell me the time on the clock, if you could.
10:33
